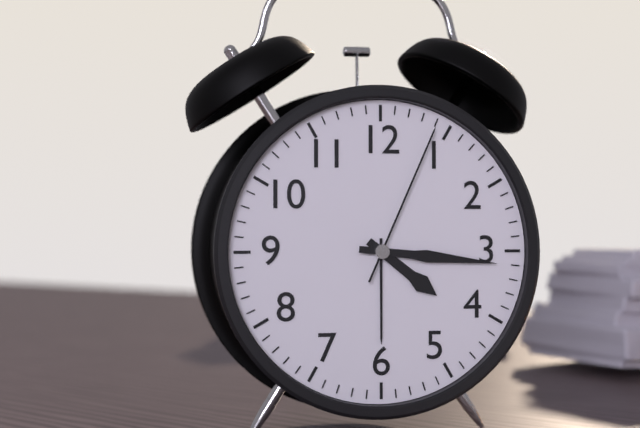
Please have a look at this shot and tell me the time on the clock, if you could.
4:16:04
